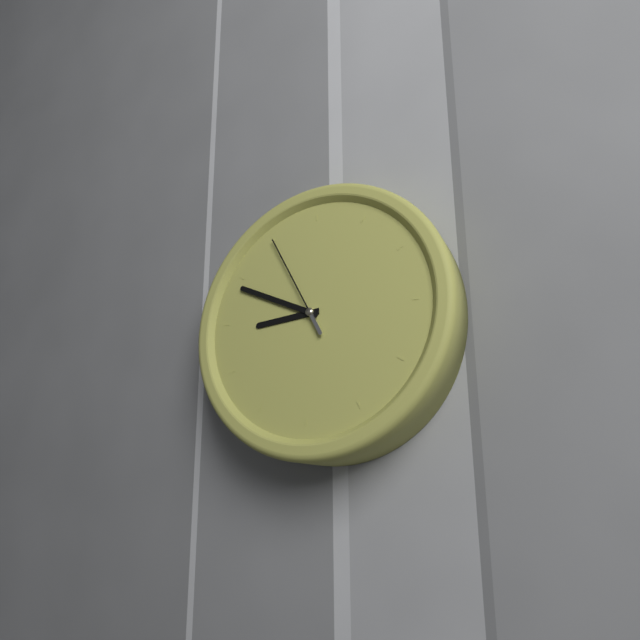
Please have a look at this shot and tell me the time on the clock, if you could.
8:49:55
